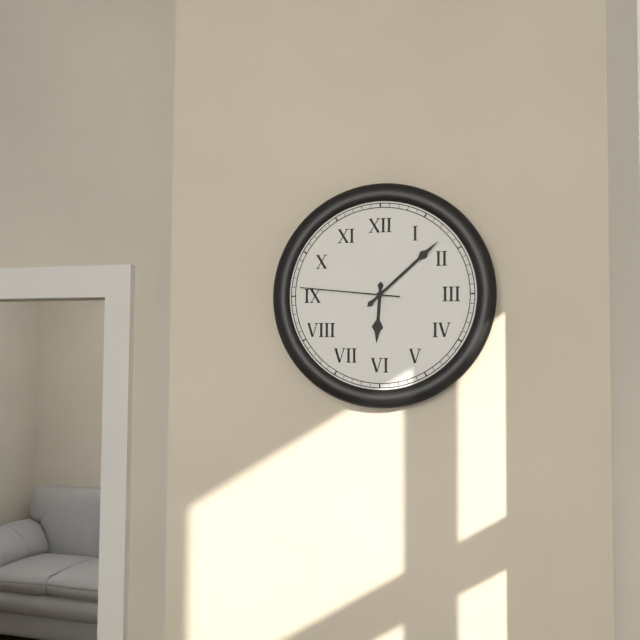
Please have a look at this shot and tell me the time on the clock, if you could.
6:08:46
